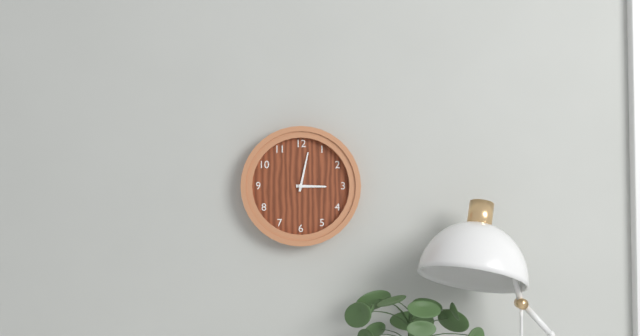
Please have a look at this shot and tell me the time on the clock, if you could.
3:02
